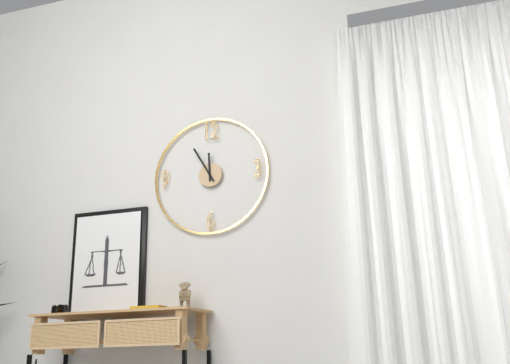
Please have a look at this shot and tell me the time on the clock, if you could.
11:55
